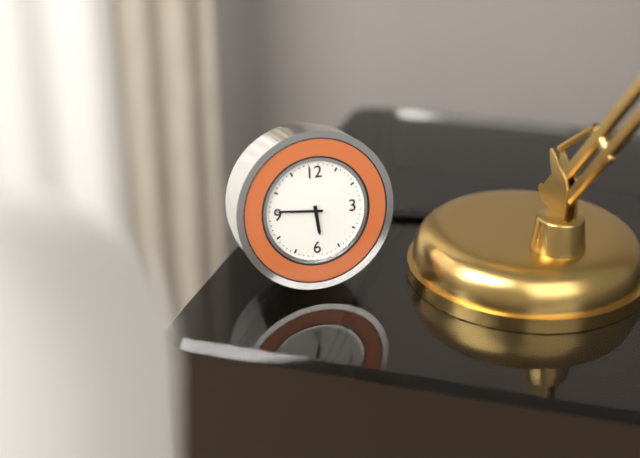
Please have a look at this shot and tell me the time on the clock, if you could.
5:46
